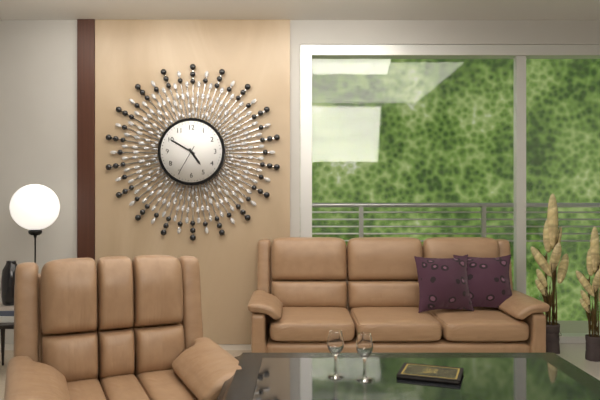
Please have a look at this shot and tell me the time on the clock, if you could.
4:50
